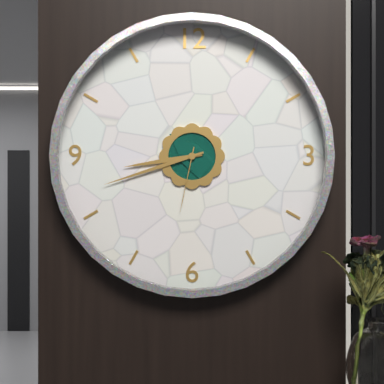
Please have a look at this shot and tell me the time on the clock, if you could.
8:42:32
